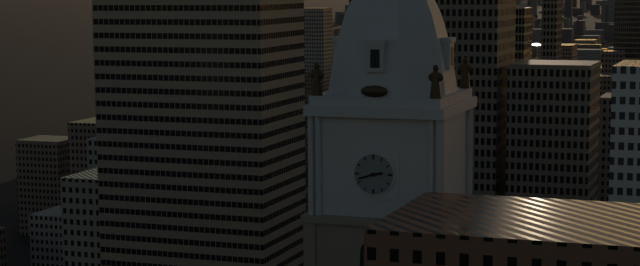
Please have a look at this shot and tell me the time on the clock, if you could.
2:42
